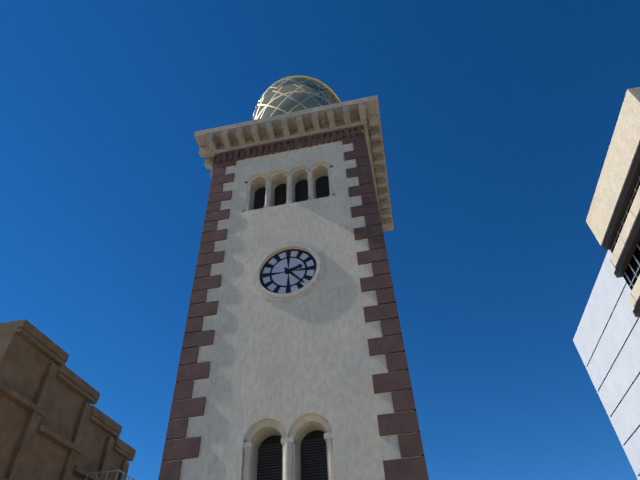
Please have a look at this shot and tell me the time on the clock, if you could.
2:23
